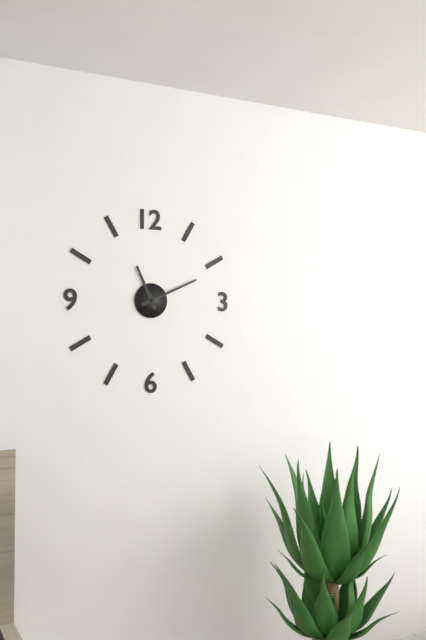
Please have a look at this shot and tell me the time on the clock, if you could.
11:11
